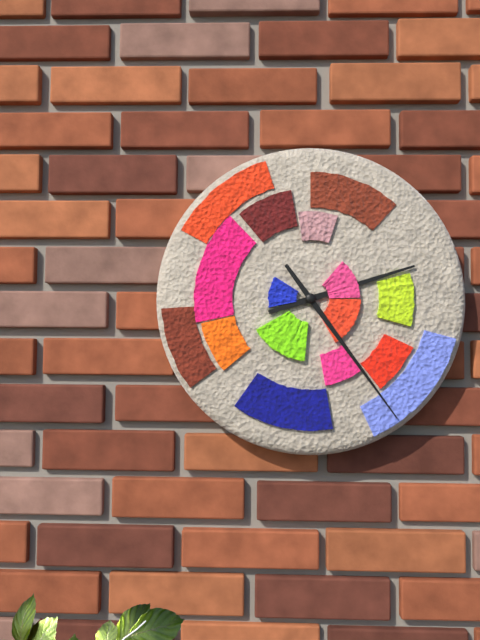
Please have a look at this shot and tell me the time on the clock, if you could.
2:24
